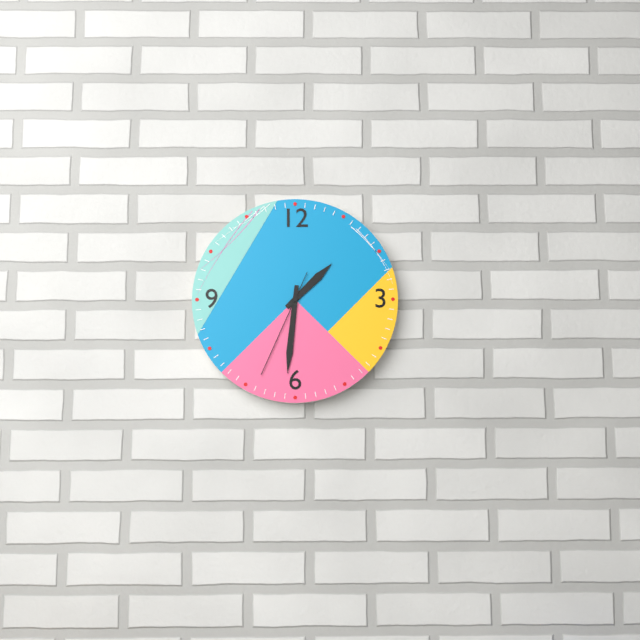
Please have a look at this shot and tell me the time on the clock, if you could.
1:31:34
